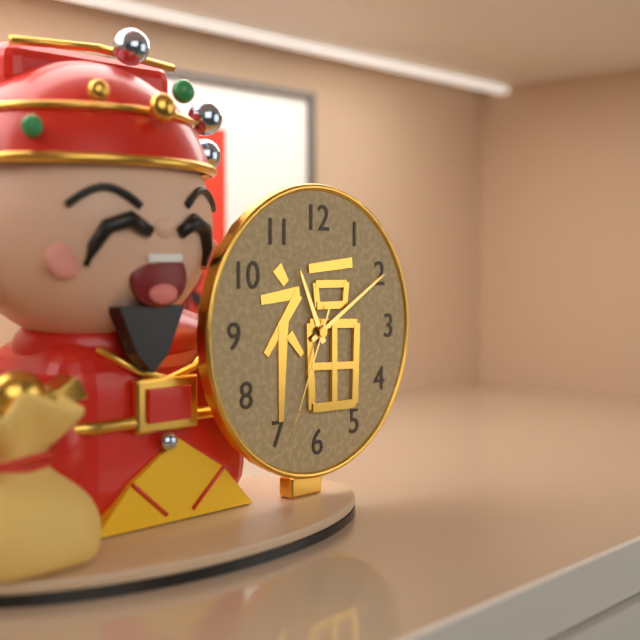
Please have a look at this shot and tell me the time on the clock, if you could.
11:10:34
